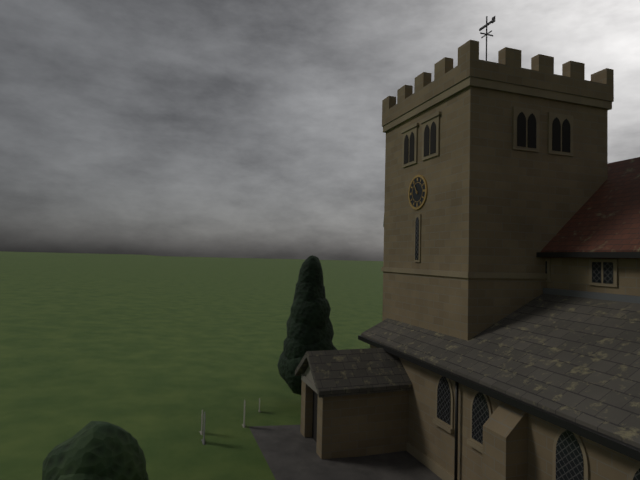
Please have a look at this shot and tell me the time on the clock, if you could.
10:55
